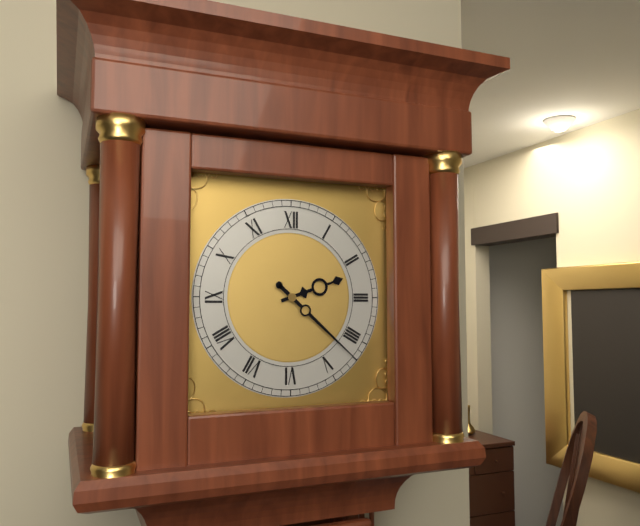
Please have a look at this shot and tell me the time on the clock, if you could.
2:22
